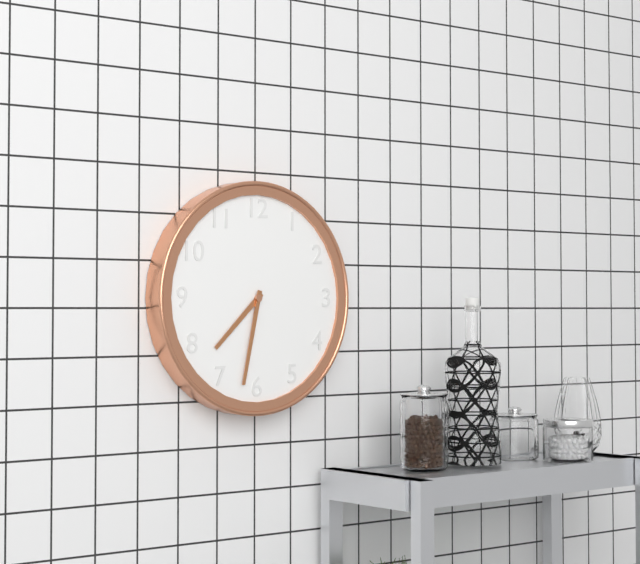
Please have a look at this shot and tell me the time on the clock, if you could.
7:32
